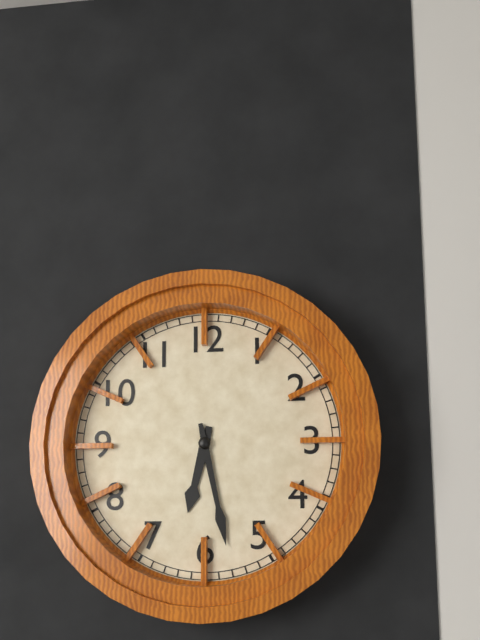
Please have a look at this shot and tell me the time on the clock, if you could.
6:28
